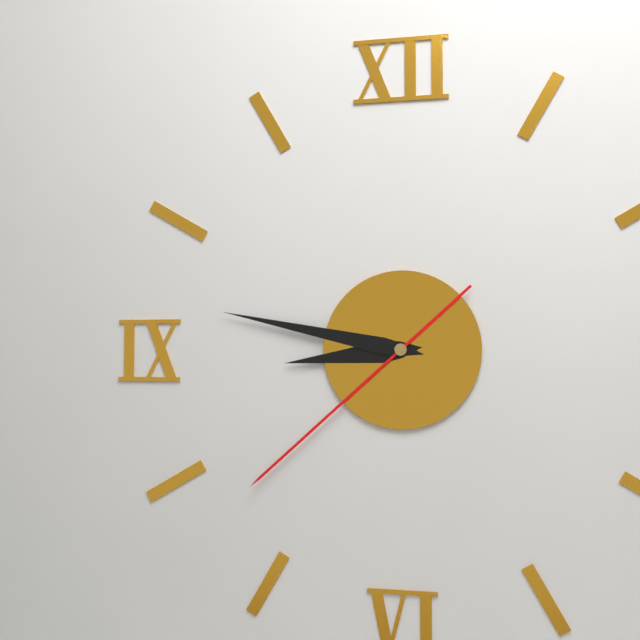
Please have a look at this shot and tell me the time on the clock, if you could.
8:47:38
